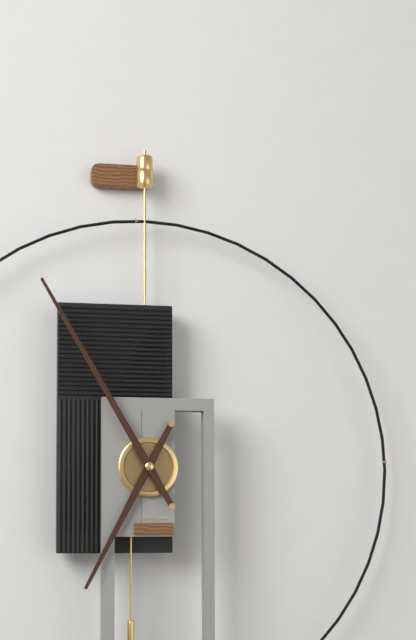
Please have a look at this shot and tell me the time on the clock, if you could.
6:55
